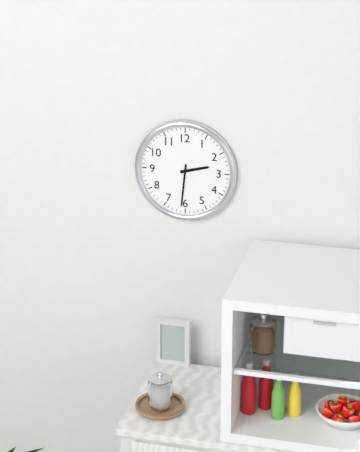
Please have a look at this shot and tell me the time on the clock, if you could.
2:31
